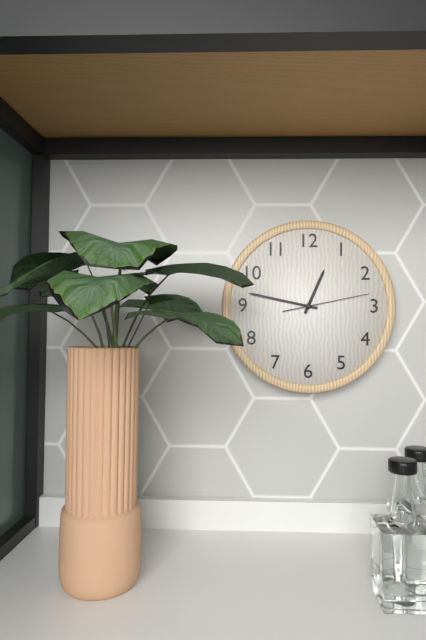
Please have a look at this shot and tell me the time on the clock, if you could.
12:47:13
